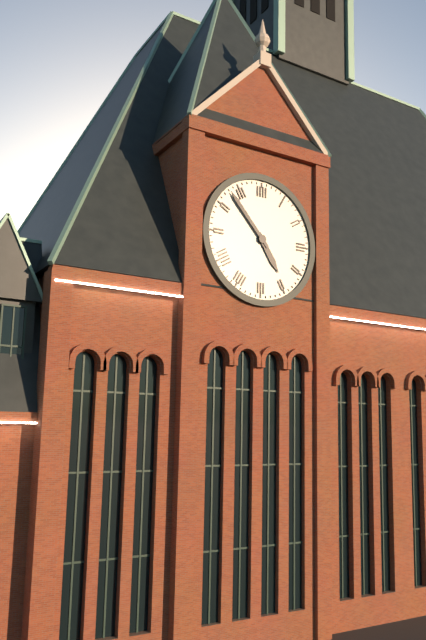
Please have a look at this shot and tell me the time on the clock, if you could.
4:53
